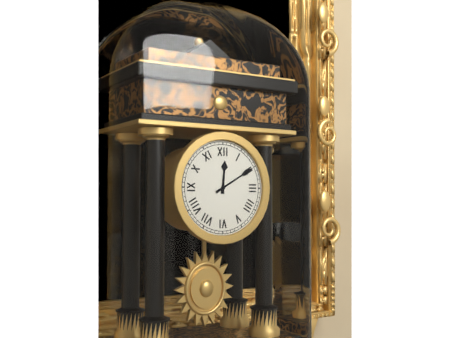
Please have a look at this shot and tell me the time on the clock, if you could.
12:10
